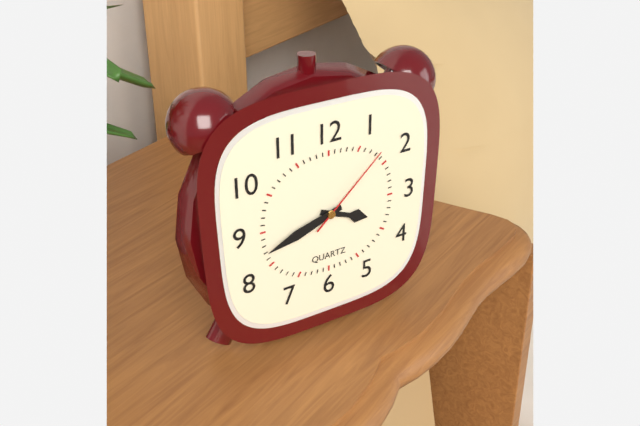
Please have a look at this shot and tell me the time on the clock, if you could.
3:42:08
